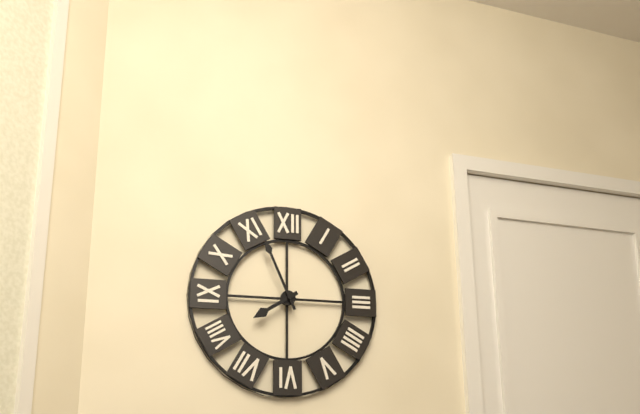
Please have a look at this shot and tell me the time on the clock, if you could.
7:56
